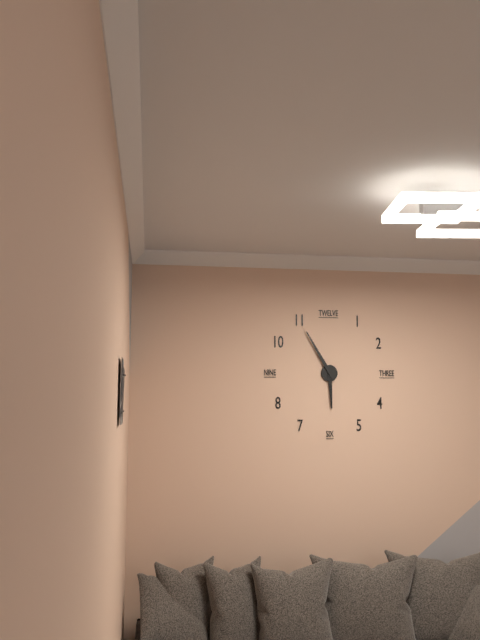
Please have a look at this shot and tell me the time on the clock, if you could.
5:55
